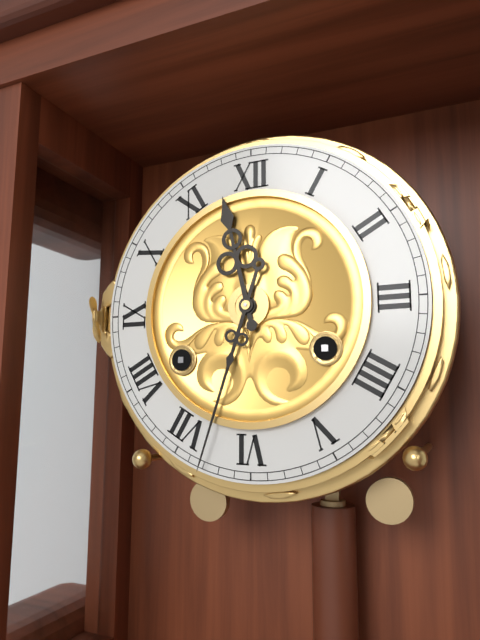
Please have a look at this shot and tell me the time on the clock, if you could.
11:33
